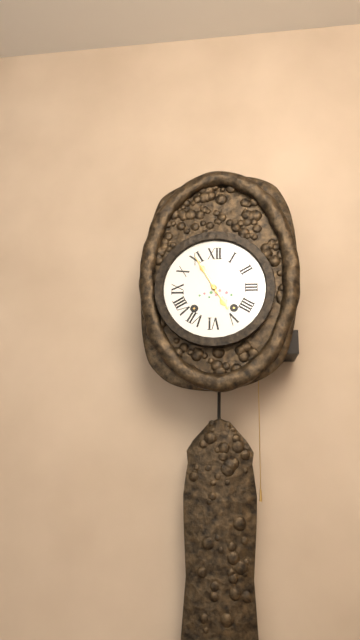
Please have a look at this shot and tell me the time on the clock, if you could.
4:55
